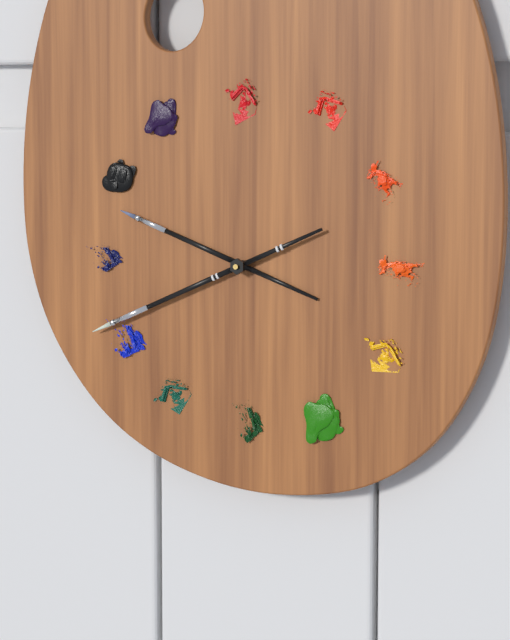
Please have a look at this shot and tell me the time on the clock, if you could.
9:41
